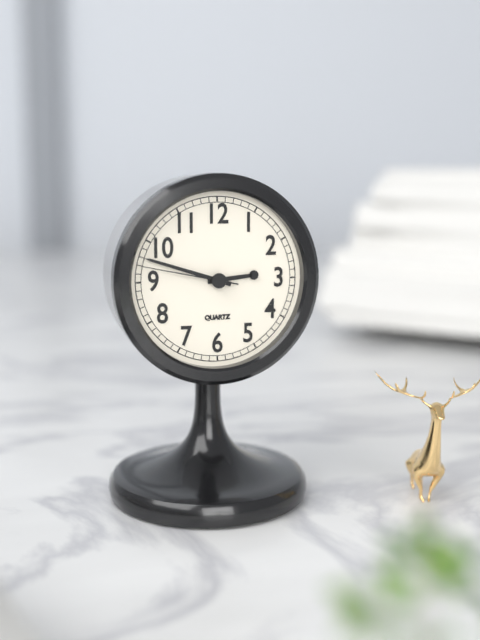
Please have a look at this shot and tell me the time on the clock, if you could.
2:48:47
